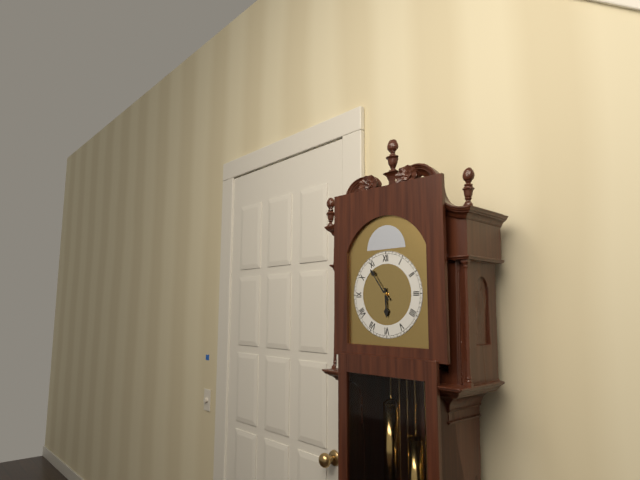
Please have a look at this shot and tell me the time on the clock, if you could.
5:54
